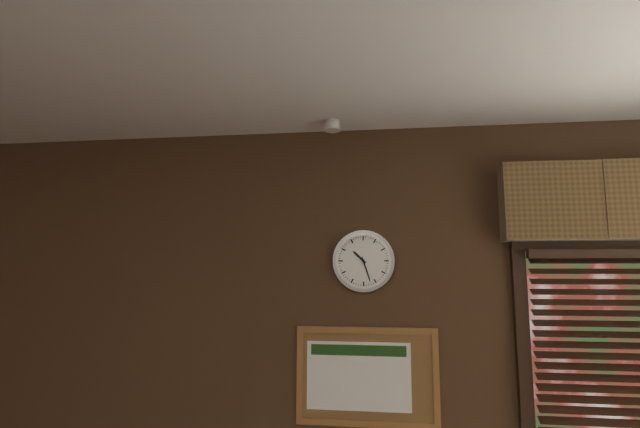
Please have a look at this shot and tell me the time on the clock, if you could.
10:27
